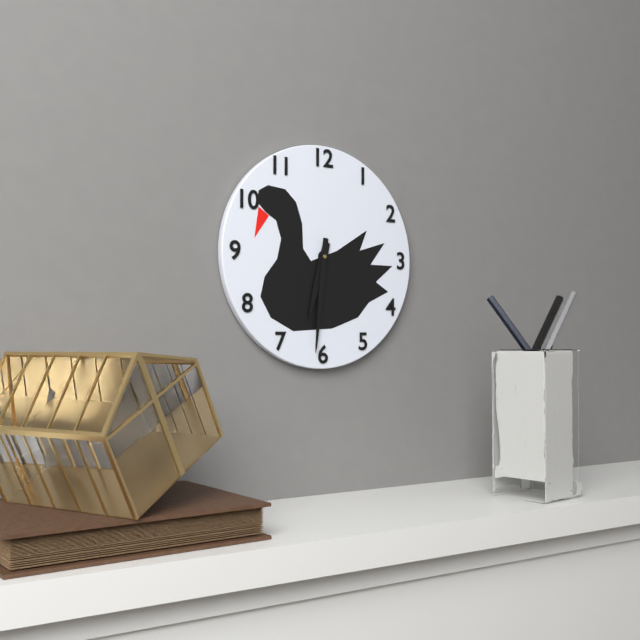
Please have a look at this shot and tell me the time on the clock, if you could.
6:31
